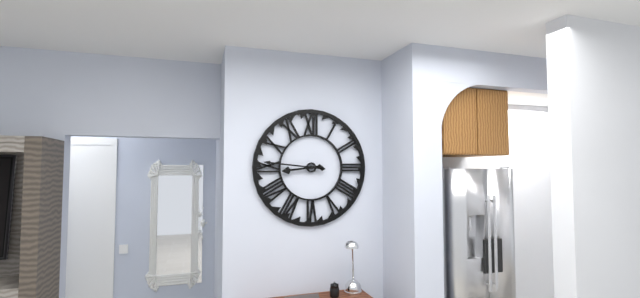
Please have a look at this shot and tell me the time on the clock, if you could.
8:46
